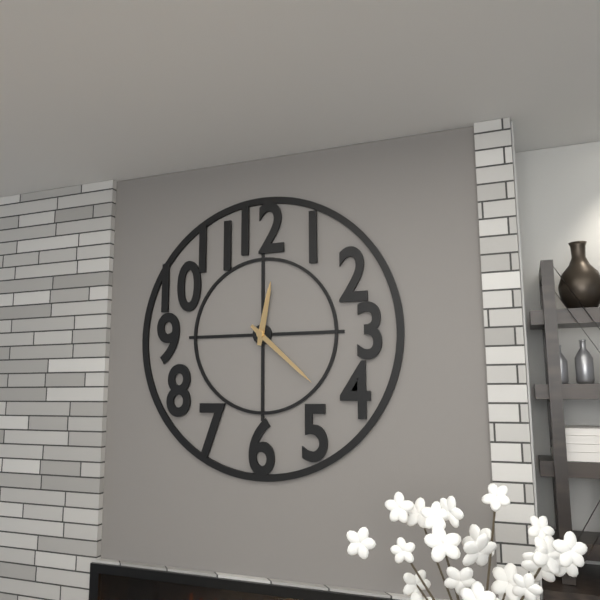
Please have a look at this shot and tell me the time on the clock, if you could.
12:22
